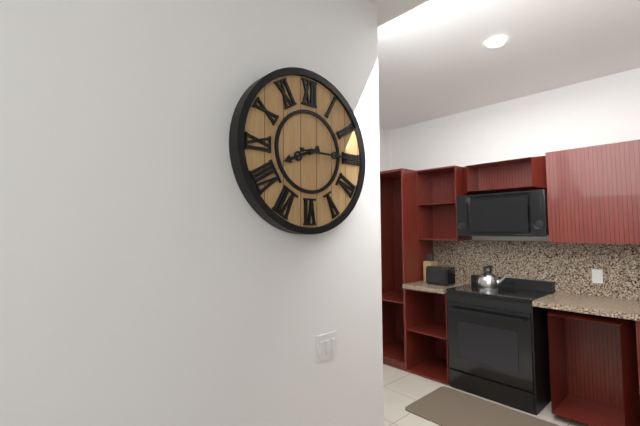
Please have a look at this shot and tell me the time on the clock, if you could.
8:15
